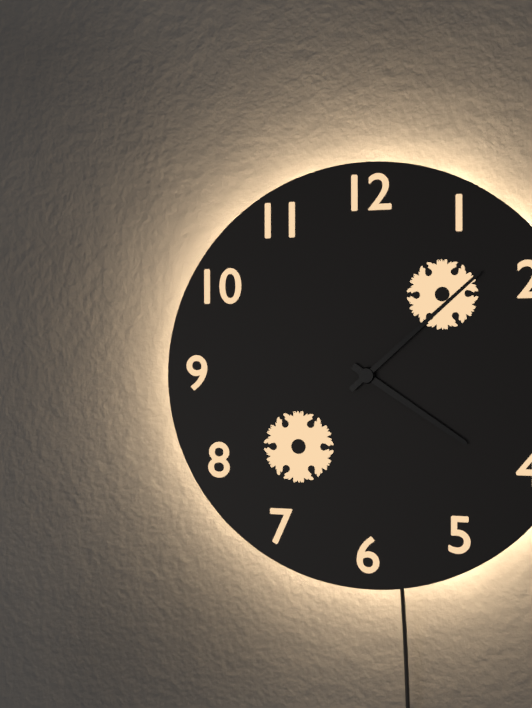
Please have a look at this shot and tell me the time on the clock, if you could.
4:08
